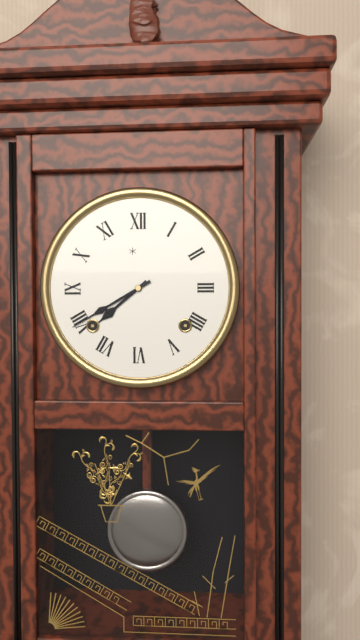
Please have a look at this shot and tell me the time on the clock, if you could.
7:40
